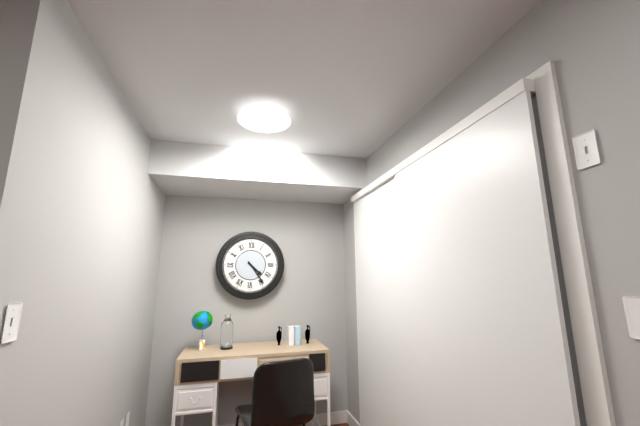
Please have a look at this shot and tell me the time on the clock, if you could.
4:24
